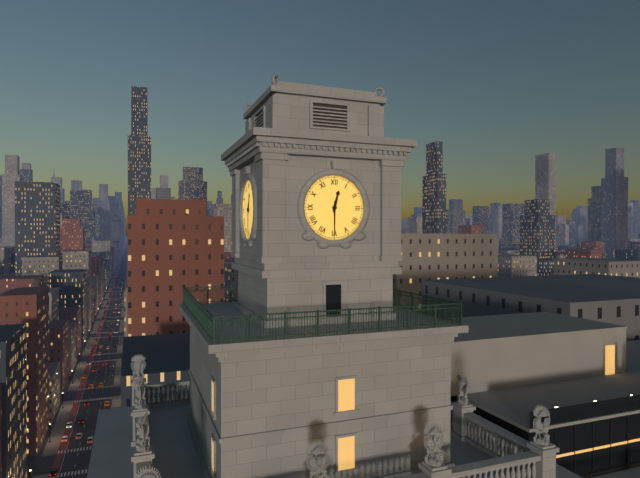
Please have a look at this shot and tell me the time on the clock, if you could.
12:30
